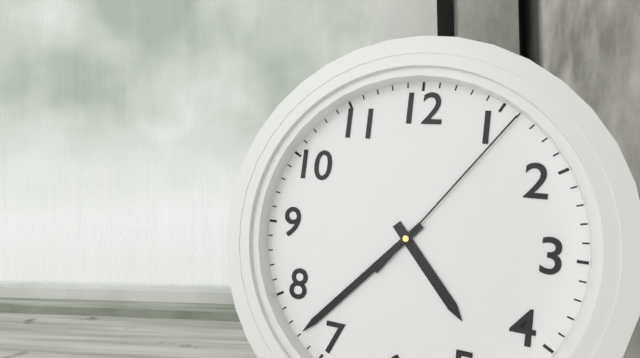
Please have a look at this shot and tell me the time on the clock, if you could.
4:37:06
